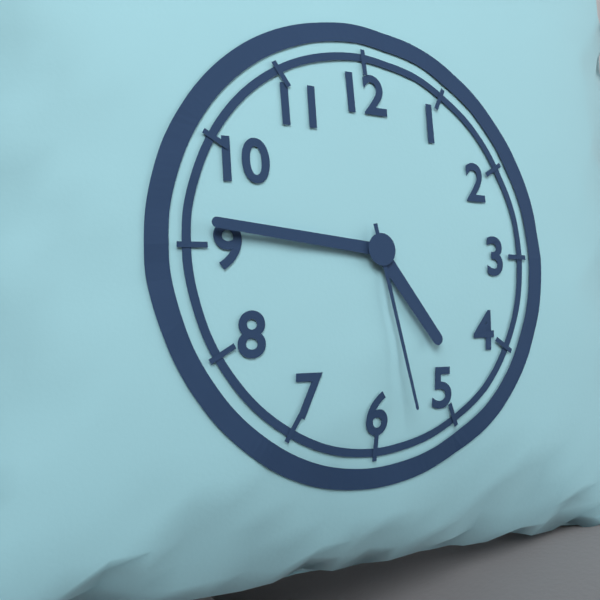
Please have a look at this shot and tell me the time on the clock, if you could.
4:46:28
